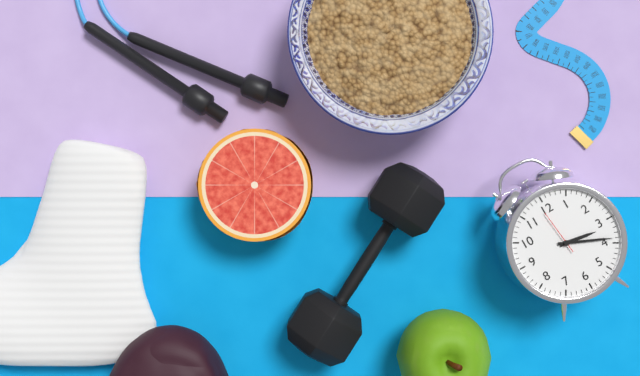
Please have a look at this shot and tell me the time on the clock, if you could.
3:19
